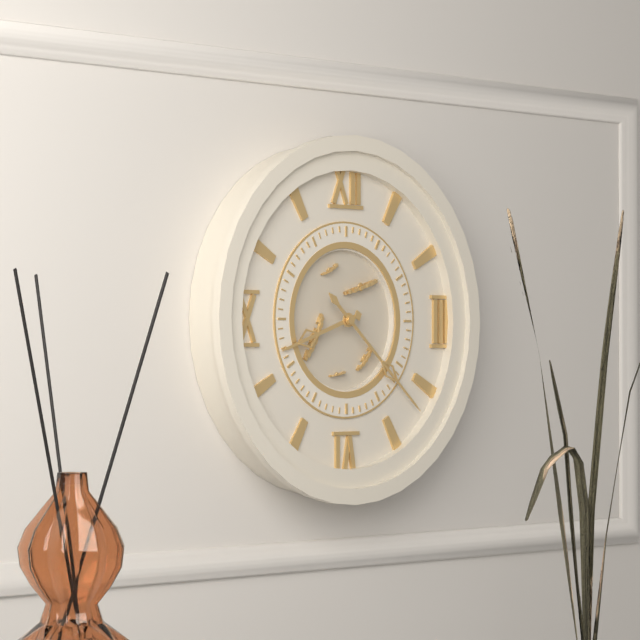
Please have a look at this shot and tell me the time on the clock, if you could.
8:22
